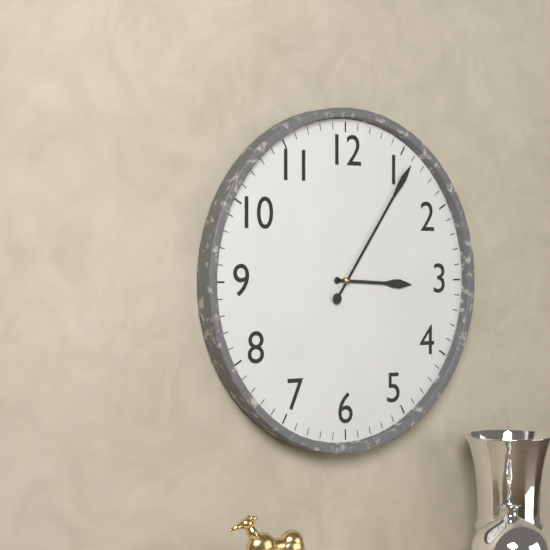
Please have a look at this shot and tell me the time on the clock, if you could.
3:06
